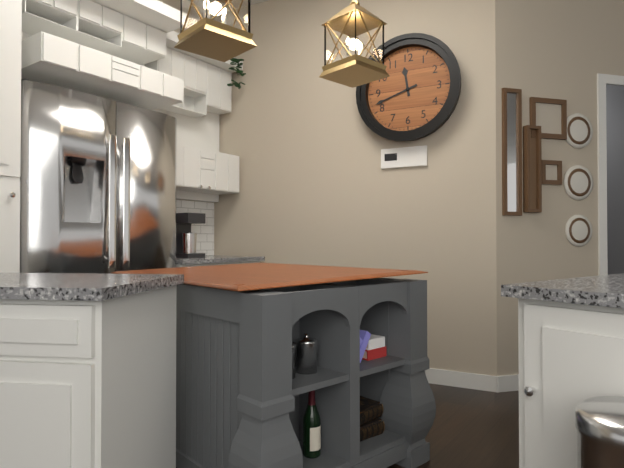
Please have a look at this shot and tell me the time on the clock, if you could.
11:42
